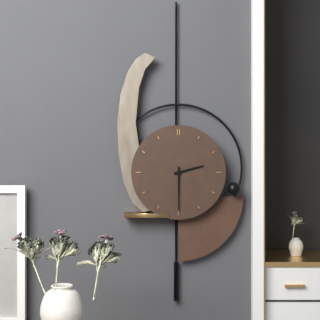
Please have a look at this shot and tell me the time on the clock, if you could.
2:30
